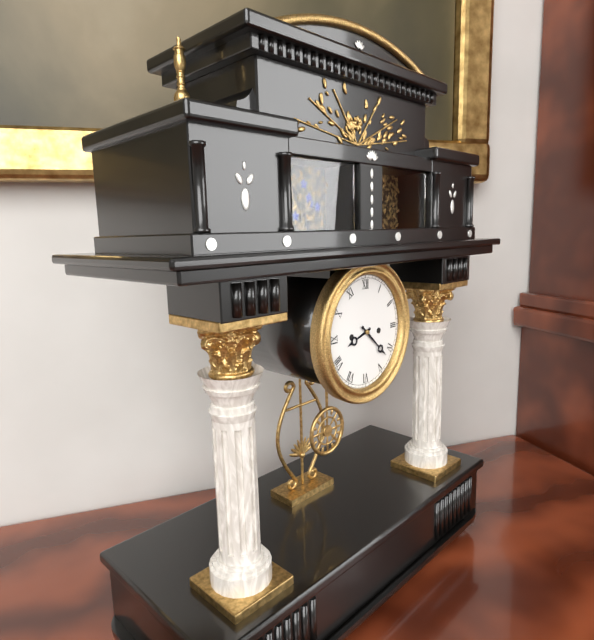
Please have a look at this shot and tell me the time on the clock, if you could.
8:22
